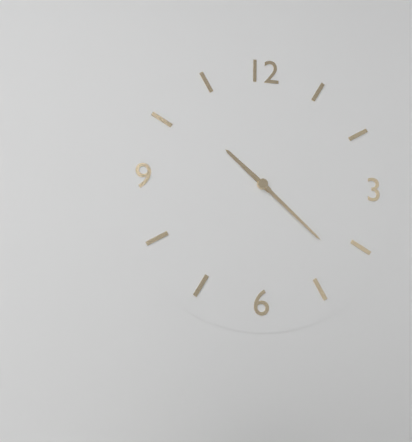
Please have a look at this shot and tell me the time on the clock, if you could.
10:22
